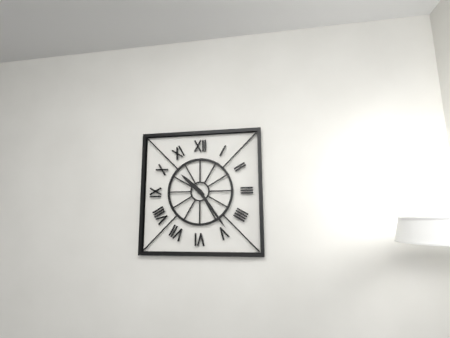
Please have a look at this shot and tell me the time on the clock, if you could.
10:24
